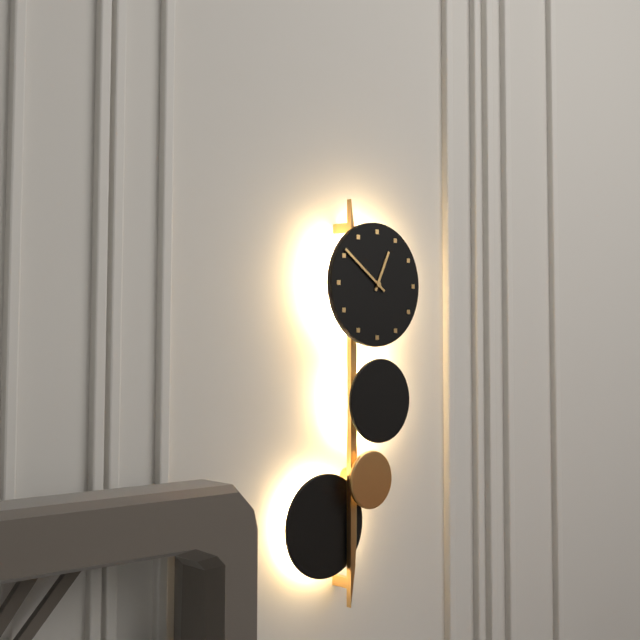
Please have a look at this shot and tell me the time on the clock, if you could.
12:51
